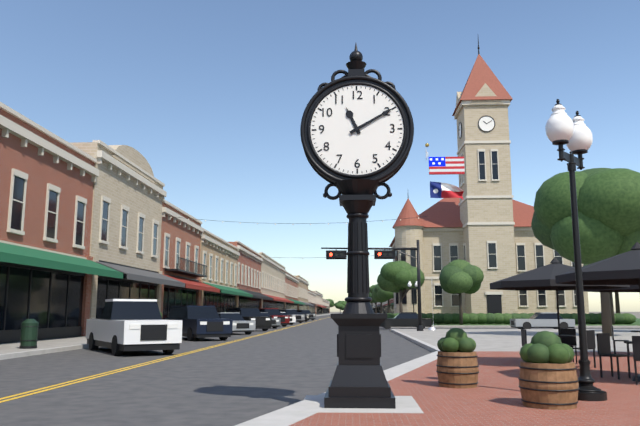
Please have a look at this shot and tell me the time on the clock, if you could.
11:10
